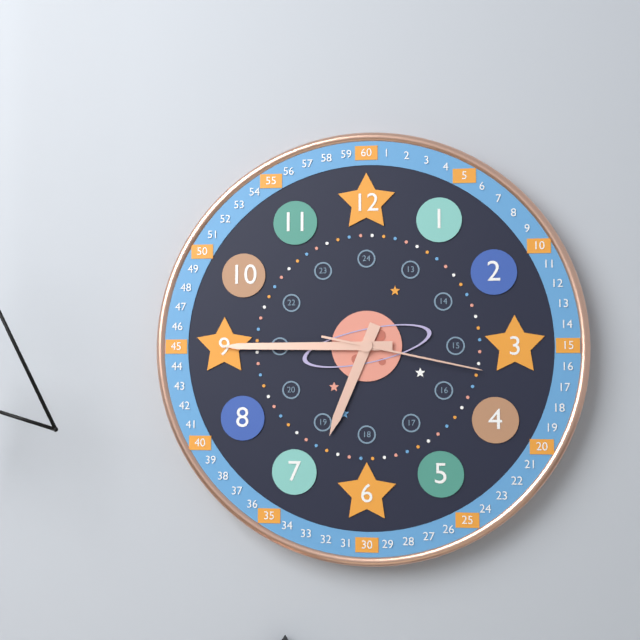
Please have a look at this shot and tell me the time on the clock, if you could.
6:45:17
